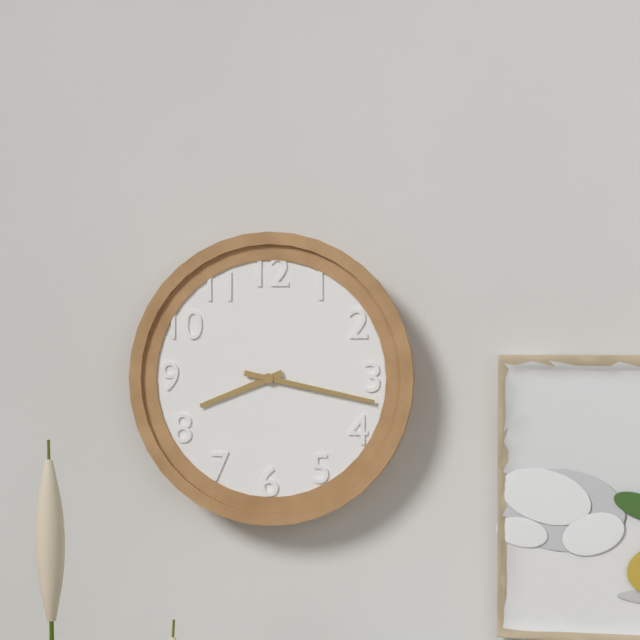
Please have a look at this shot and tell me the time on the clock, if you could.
8:17
